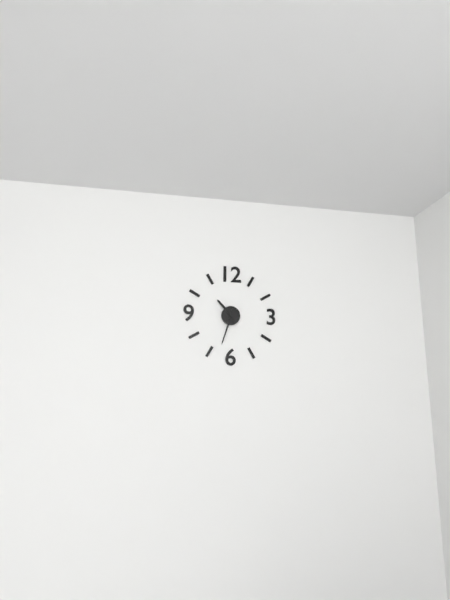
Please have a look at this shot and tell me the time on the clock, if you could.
10:33
